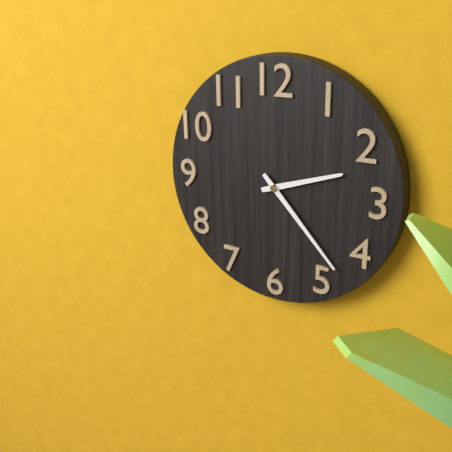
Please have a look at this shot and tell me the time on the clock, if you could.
2:23
